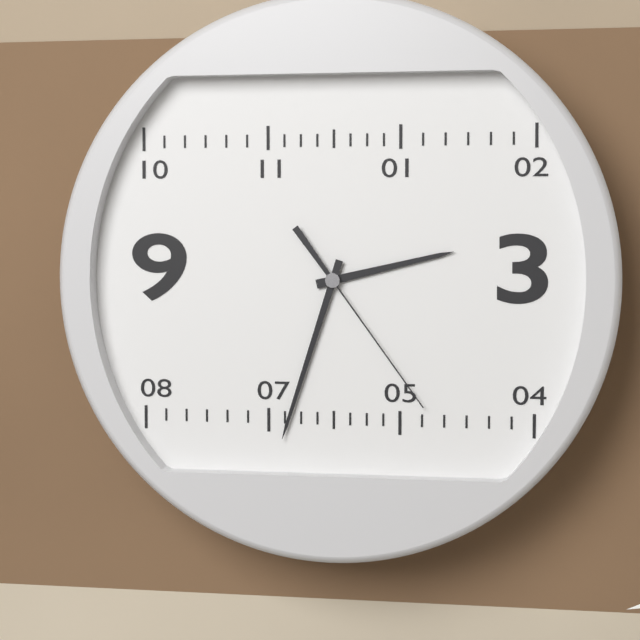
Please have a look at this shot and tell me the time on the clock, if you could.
2:33:24
